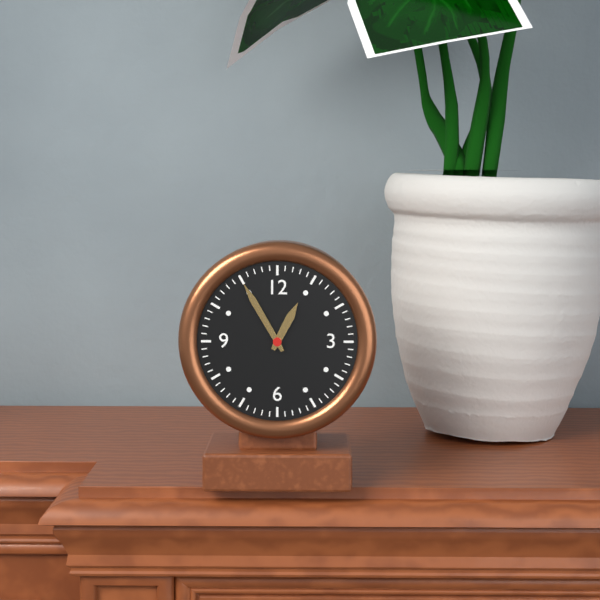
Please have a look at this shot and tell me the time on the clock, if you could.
12:55
